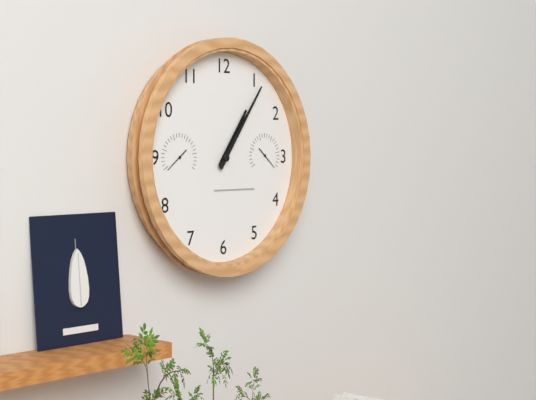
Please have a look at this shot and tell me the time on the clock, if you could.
1:06
